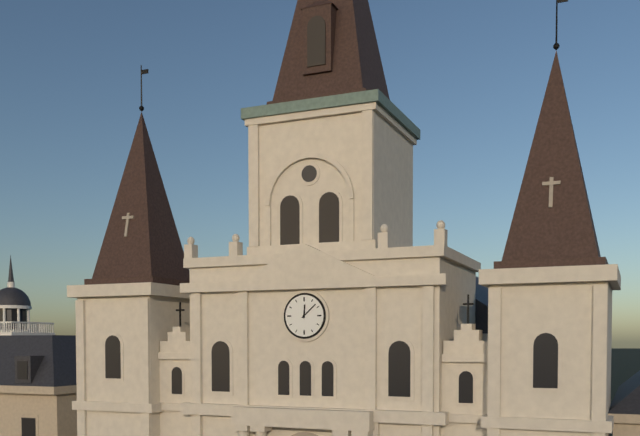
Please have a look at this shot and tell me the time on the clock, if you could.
12:08
